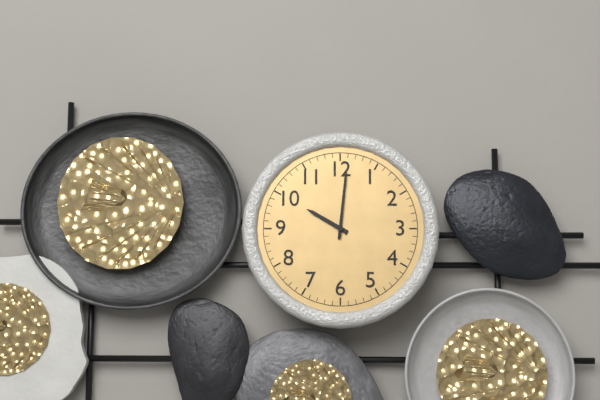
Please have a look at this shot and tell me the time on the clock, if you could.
10:01
